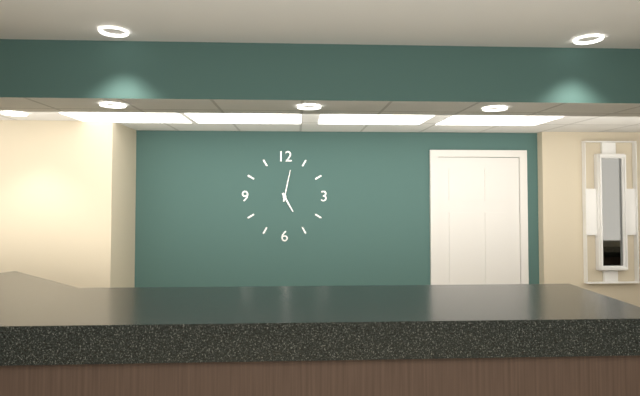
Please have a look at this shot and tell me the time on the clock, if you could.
5:02
